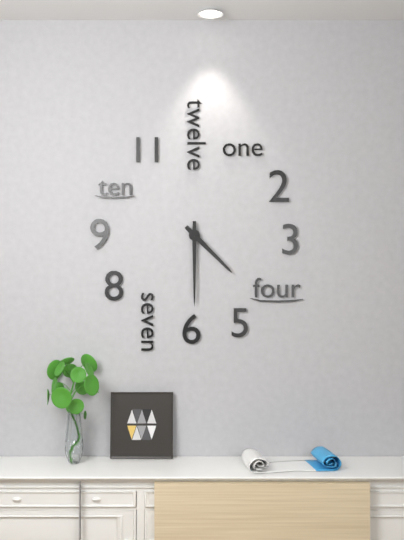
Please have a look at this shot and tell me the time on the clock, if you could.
4:30
